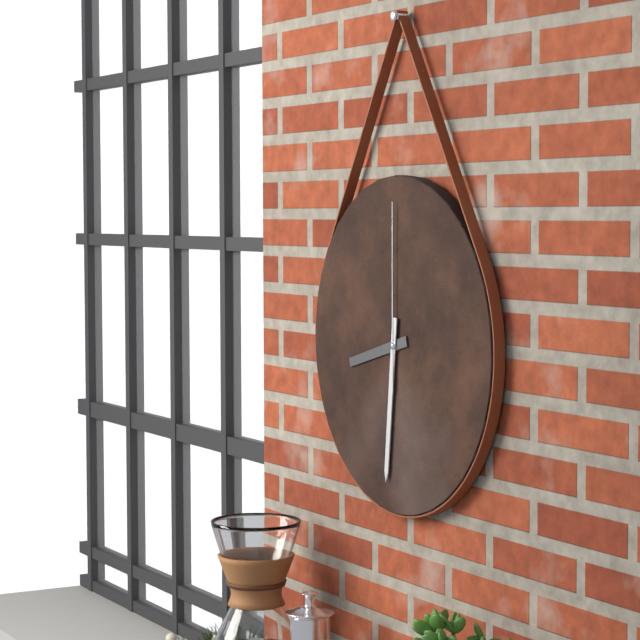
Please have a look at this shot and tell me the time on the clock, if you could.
8:31:00
